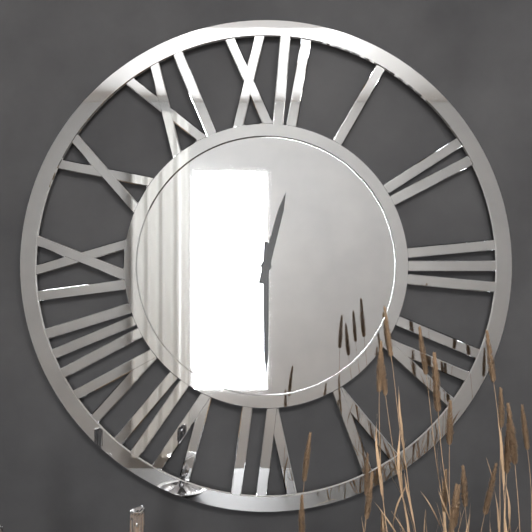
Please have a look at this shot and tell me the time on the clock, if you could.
12:30
